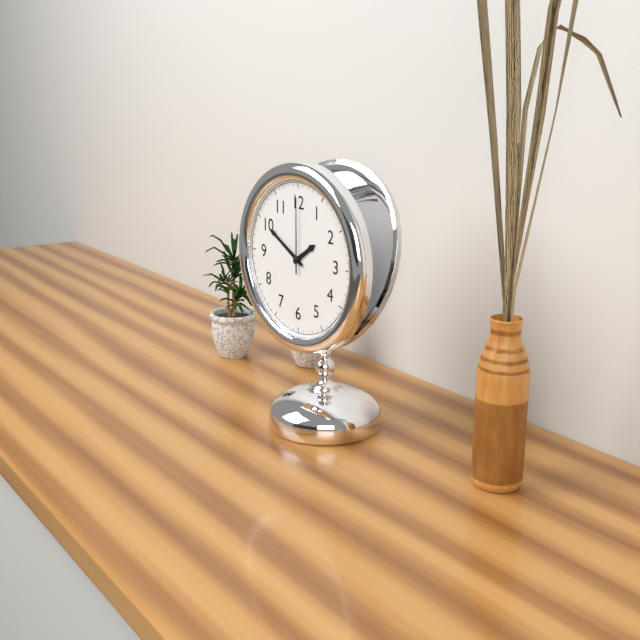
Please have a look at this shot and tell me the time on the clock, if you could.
1:50:00
